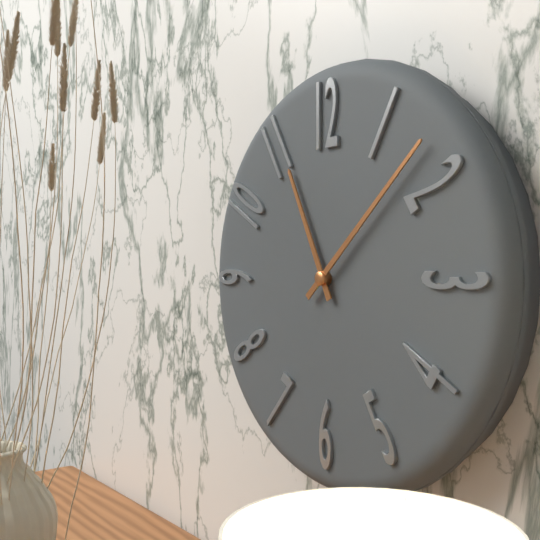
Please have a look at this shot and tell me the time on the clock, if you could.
11:08
